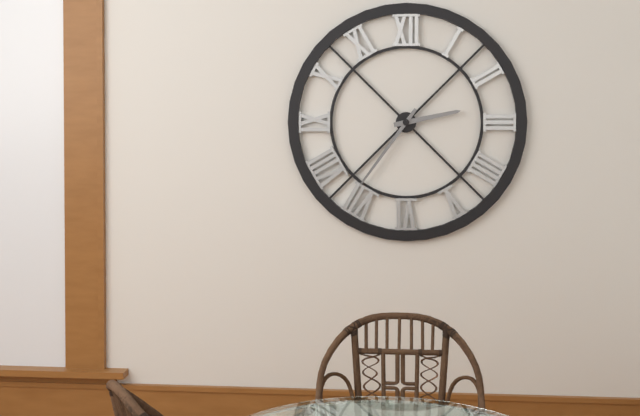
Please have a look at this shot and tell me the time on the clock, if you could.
2:36
